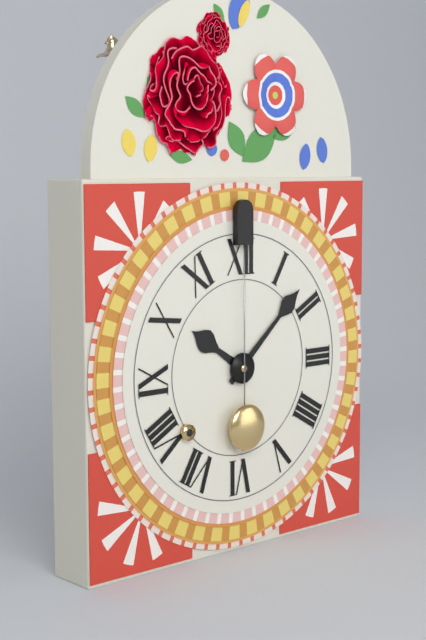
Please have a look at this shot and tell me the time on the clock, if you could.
10:08
